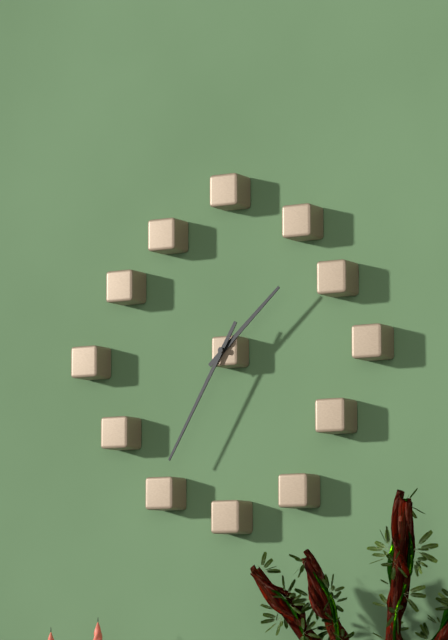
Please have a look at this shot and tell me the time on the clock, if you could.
1:35
